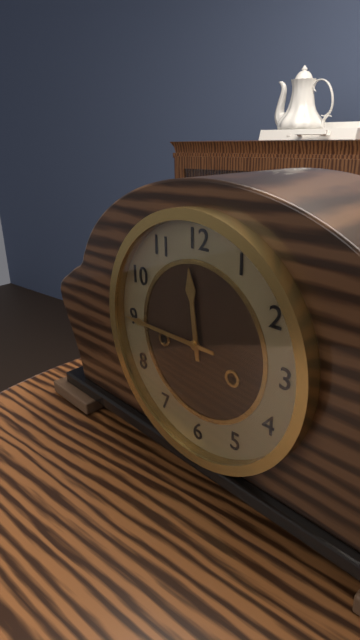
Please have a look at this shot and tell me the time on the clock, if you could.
11:45
